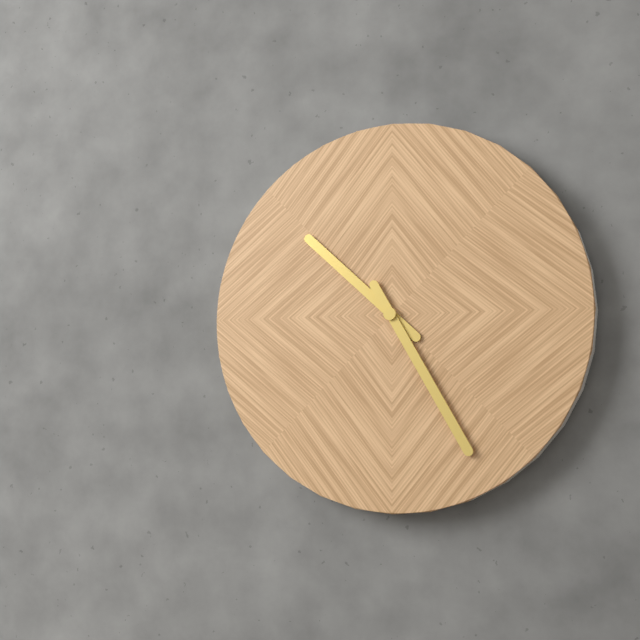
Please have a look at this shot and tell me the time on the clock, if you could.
10:25
